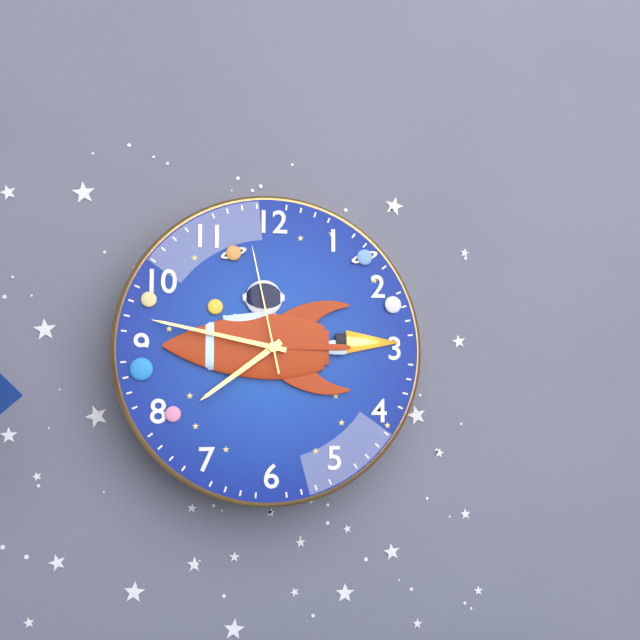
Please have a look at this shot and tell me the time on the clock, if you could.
7:47:58
